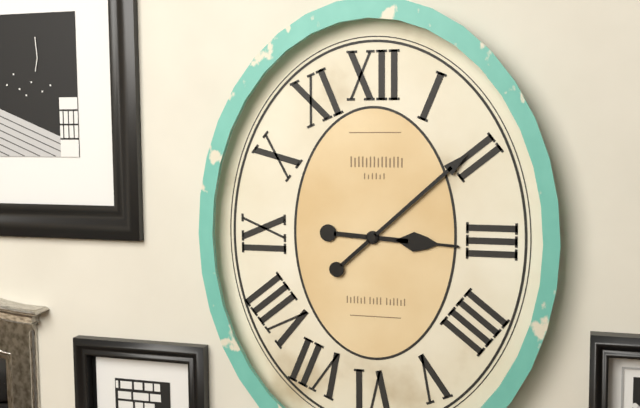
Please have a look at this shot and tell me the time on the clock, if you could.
3:08
